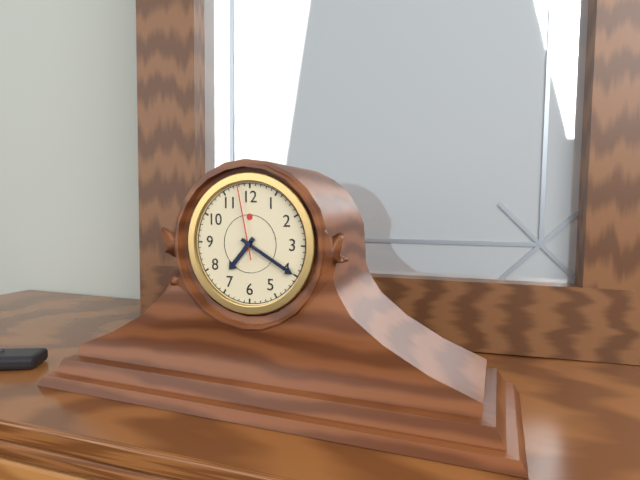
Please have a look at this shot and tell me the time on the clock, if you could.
7:20:58
